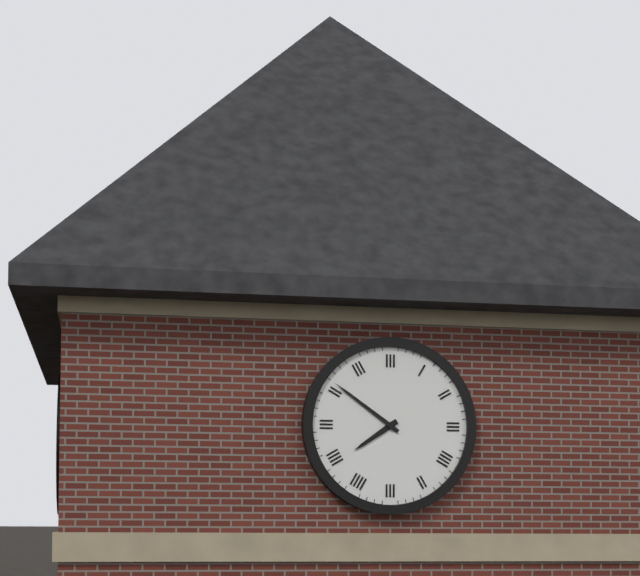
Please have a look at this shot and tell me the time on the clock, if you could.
7:51
